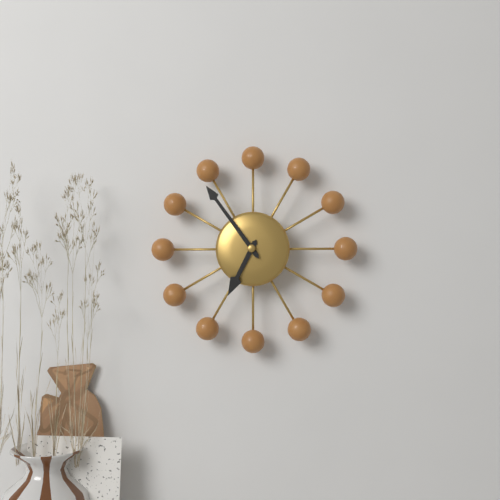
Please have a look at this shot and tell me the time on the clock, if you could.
6:54
